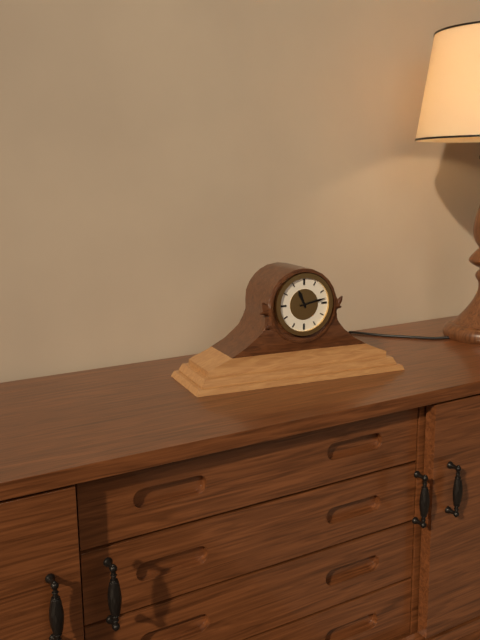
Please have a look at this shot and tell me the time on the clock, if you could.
11:13
